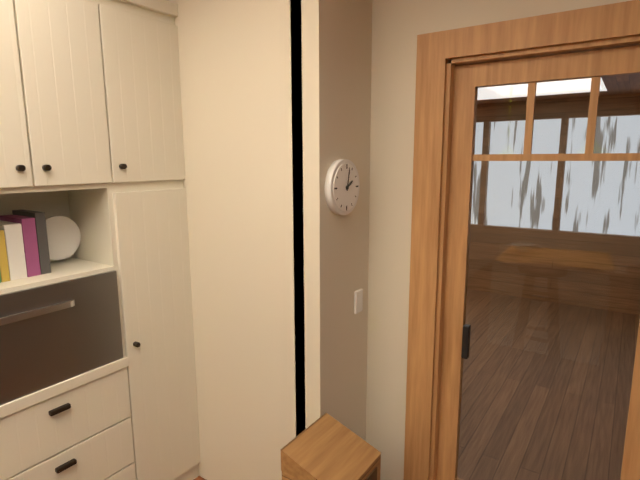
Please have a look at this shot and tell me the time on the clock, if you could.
2:02
